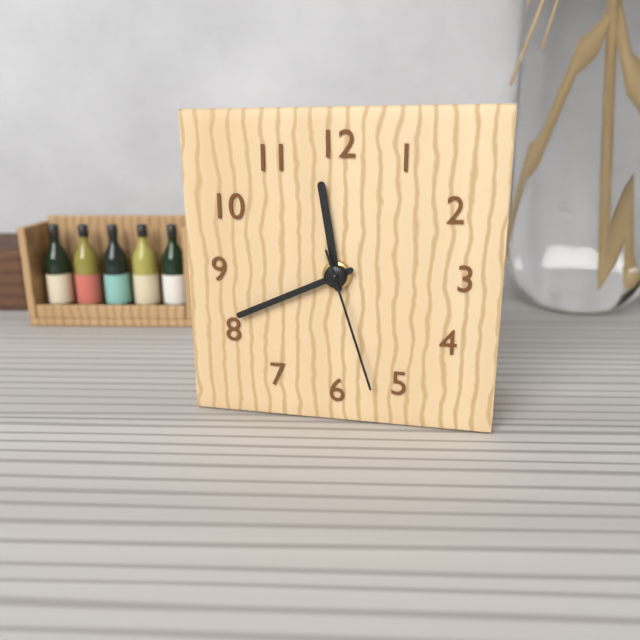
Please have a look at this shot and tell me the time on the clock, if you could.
11:41:27
